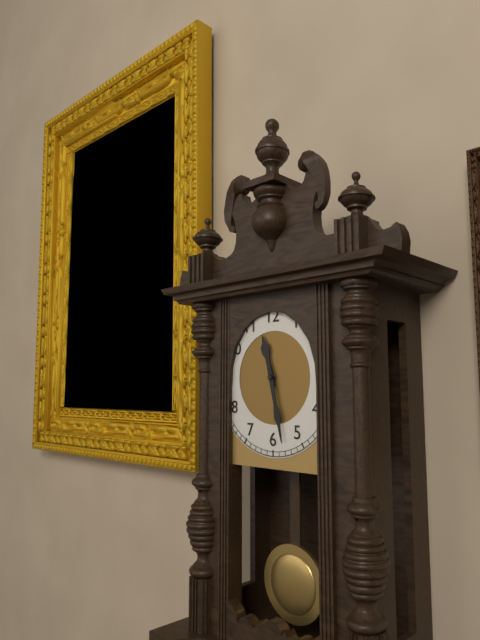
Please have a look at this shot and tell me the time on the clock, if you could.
11:28
